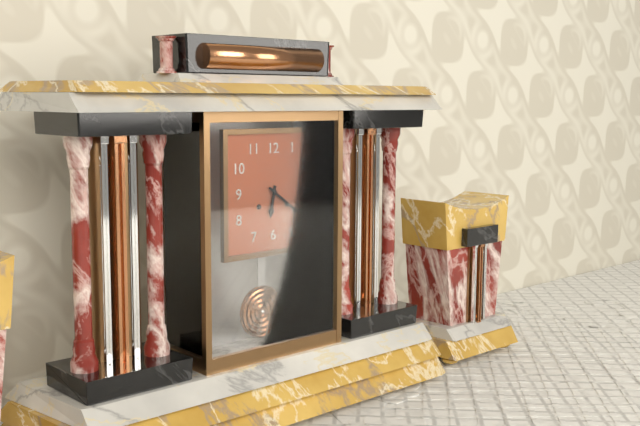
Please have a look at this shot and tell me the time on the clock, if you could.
6:21
